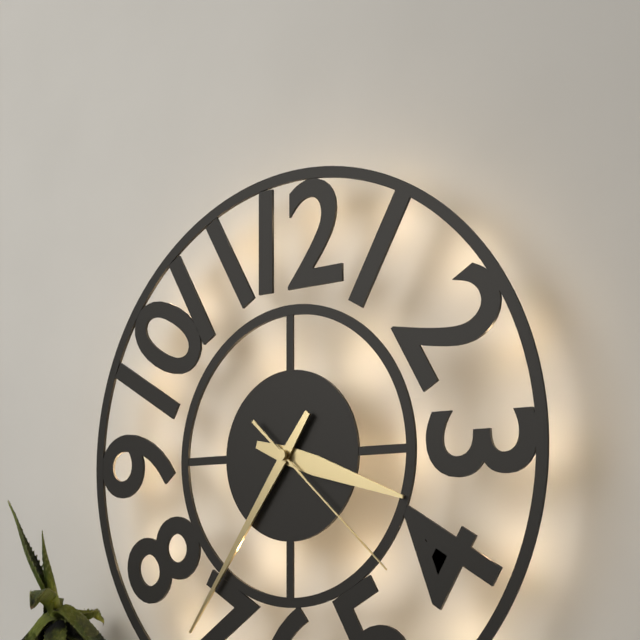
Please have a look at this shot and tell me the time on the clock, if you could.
3:36:22
